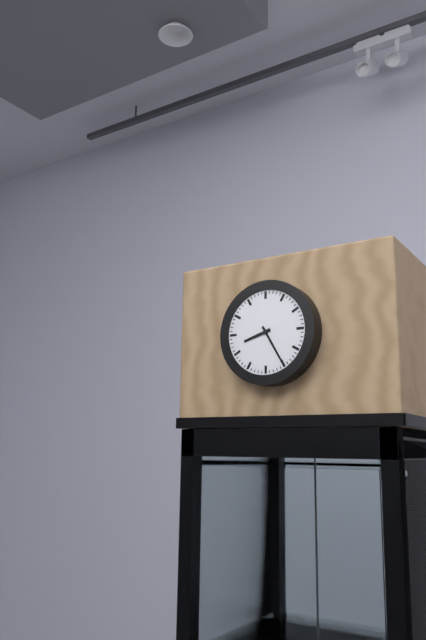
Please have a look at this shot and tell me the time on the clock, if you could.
8:25
